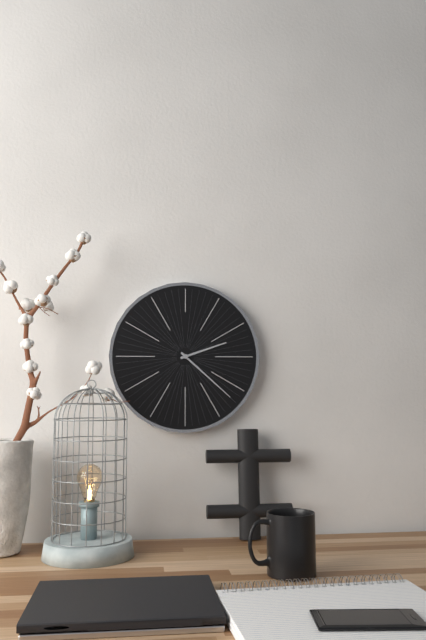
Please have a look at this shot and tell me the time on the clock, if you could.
2:22
